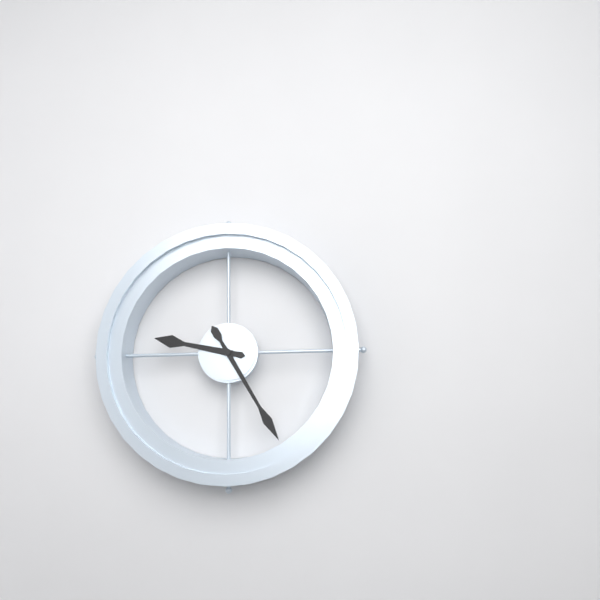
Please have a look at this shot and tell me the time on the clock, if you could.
9:25
